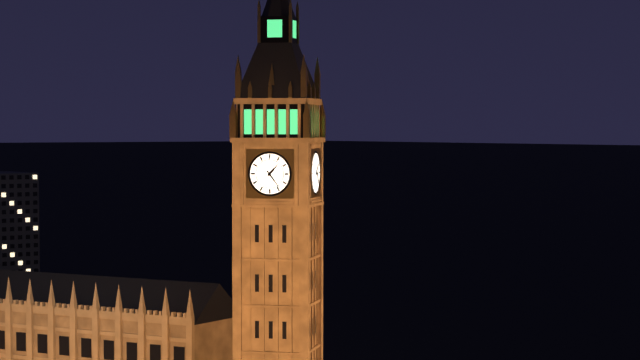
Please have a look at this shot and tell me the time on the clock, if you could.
1:24
